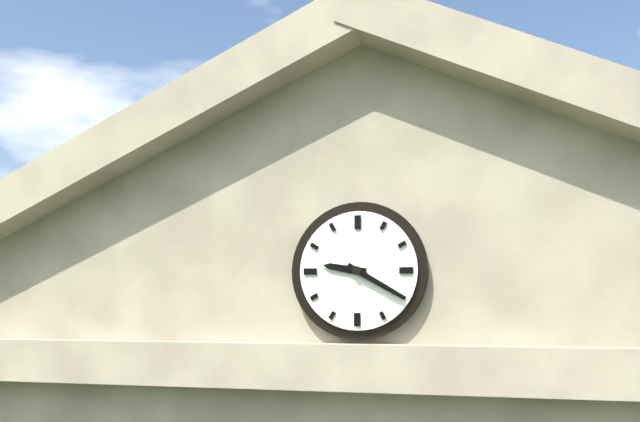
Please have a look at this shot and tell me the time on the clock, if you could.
9:20
